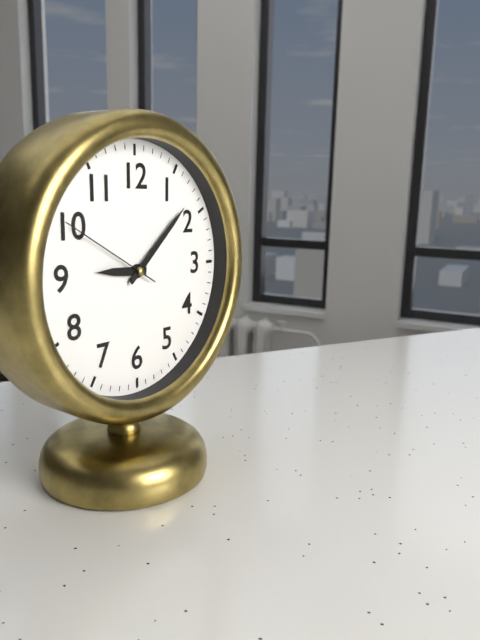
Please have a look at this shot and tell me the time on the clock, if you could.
9:08:50
